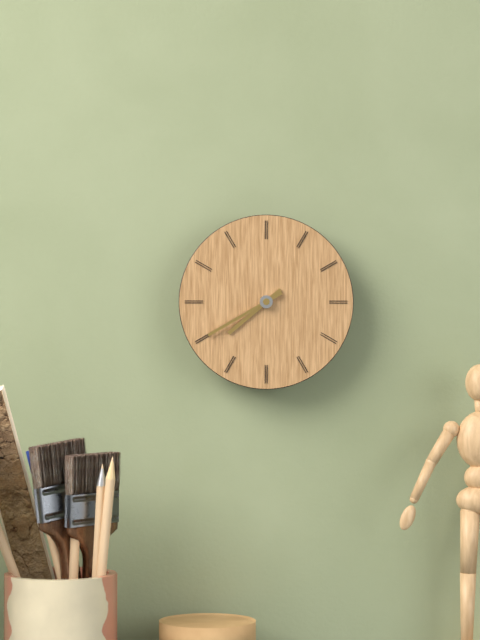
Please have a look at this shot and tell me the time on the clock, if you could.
7:40
